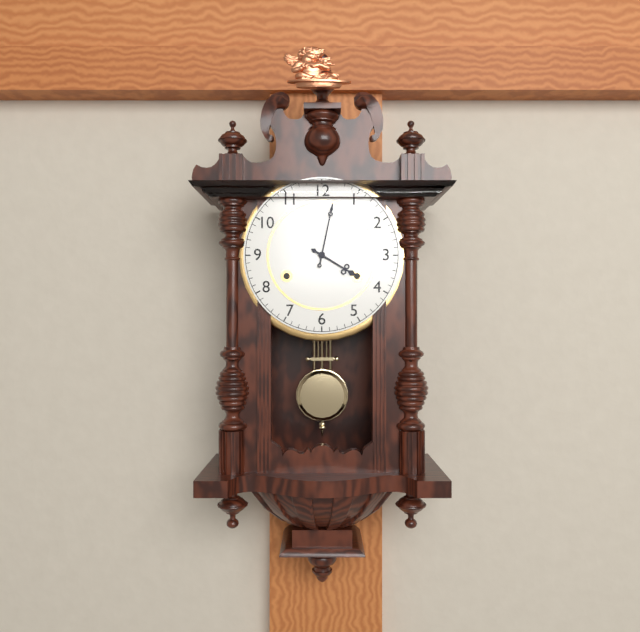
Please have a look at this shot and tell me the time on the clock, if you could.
4:02
